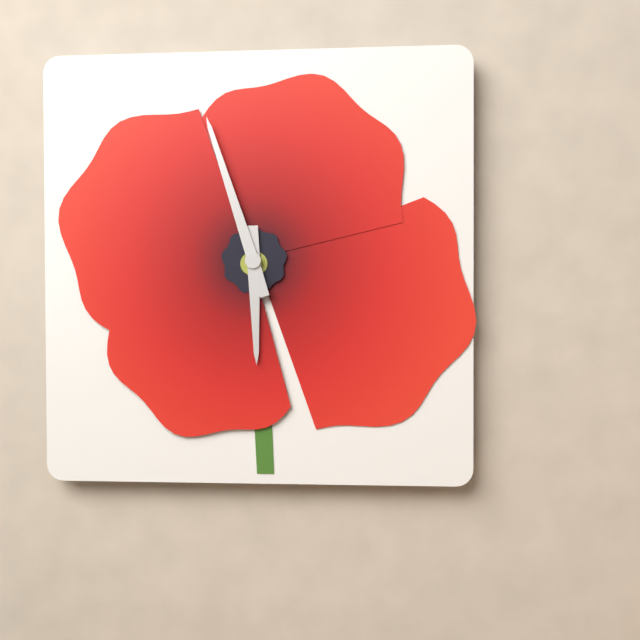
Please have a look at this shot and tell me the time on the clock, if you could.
5:57
